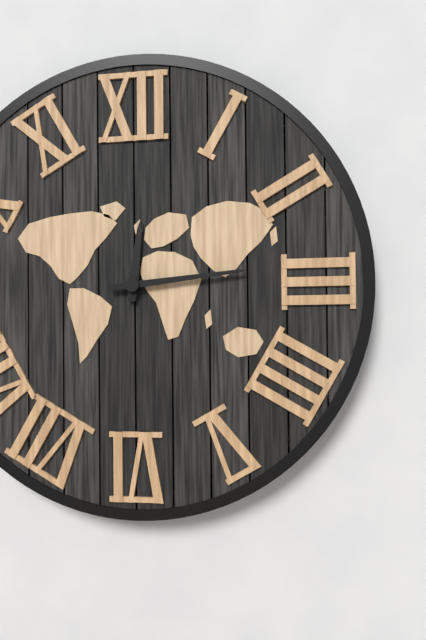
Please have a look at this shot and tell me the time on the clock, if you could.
12:14
